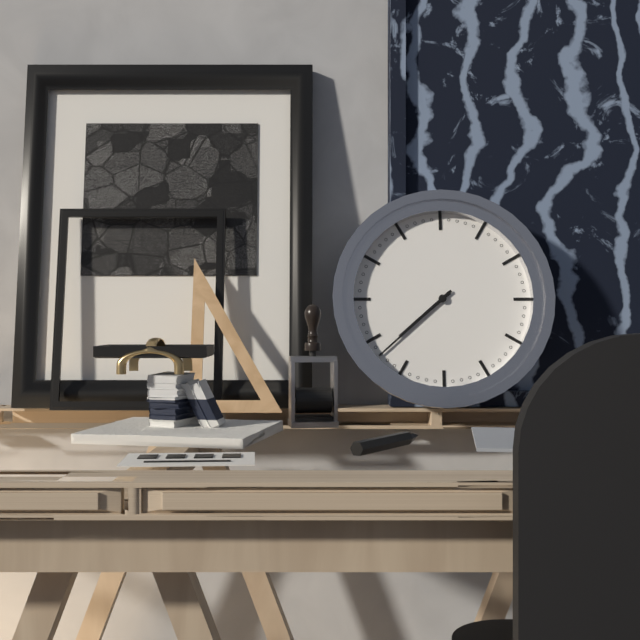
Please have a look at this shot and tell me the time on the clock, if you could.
7:38
